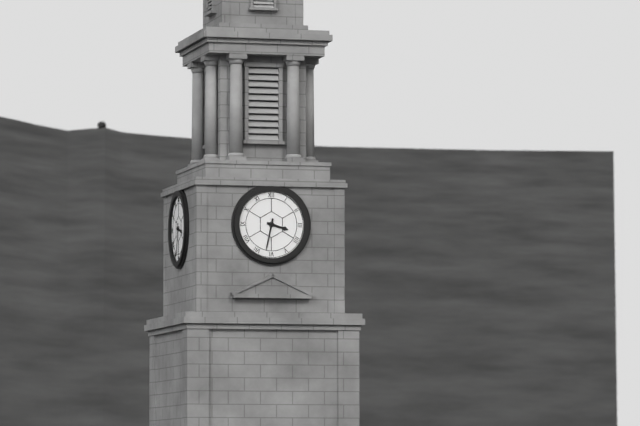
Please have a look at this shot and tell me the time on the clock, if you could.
3:32
